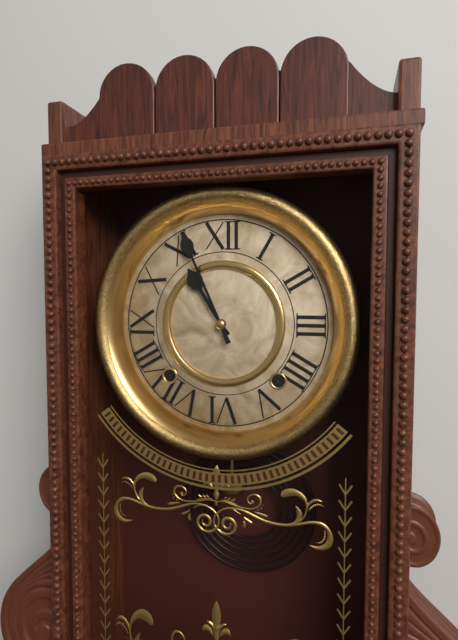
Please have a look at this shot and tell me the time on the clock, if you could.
10:56
